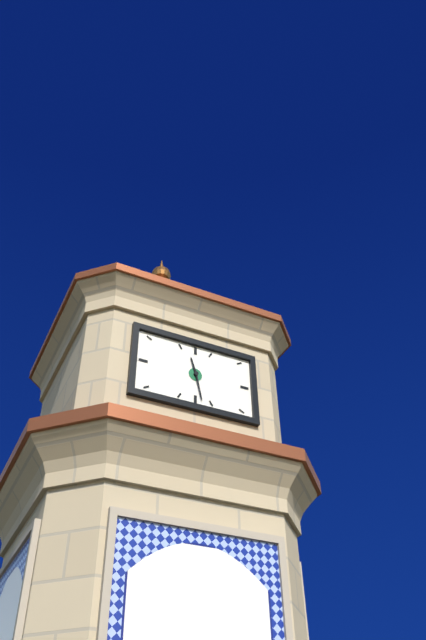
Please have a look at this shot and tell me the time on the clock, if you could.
11:28
